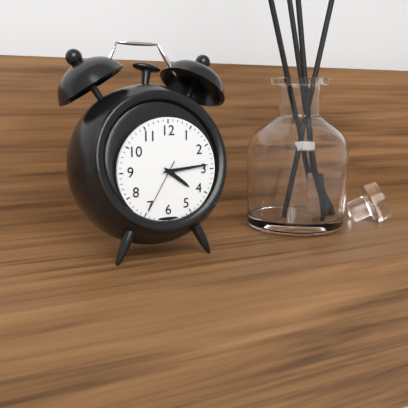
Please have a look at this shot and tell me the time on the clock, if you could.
4:14:35
